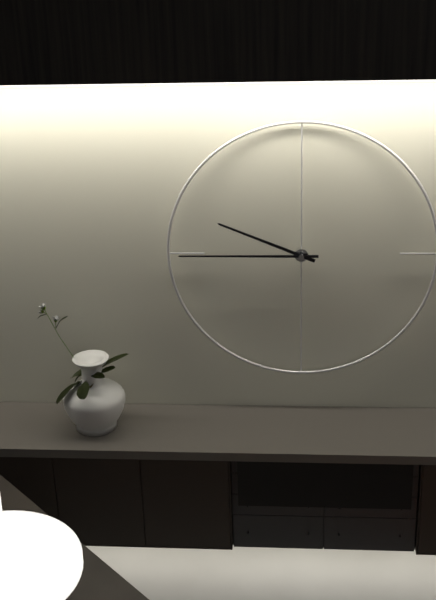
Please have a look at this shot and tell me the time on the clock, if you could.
9:45
